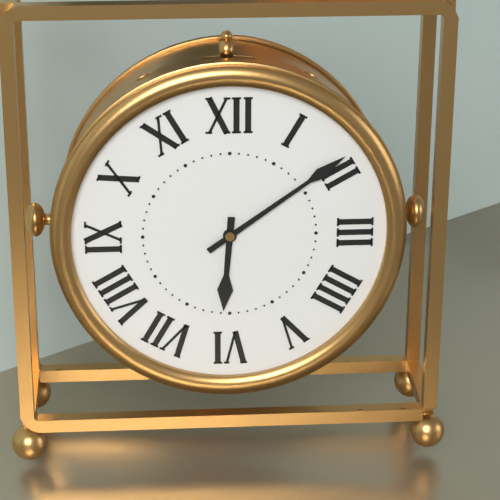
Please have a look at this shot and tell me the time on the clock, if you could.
6:09
